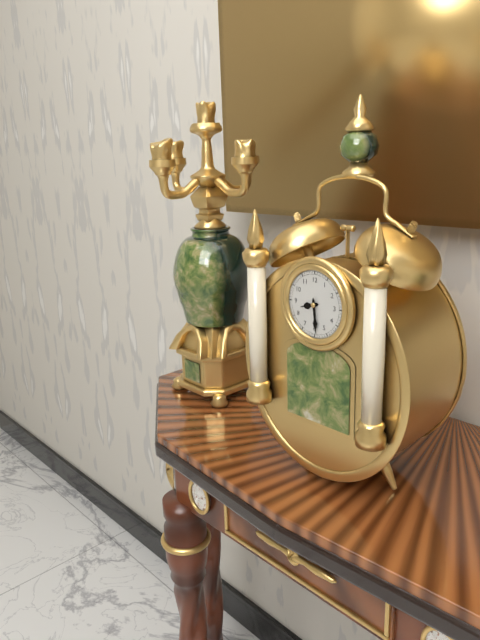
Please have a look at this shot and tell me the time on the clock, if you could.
8:29
